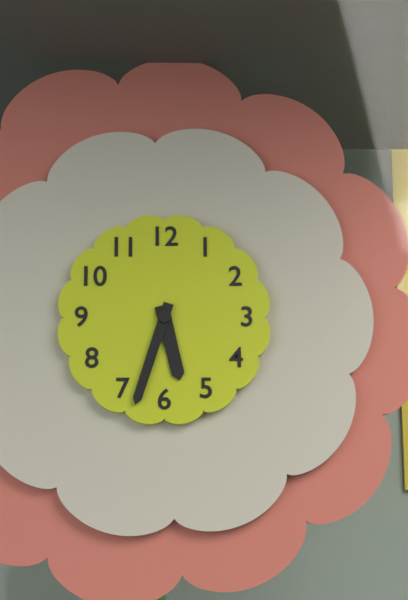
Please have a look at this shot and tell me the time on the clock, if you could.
5:33
